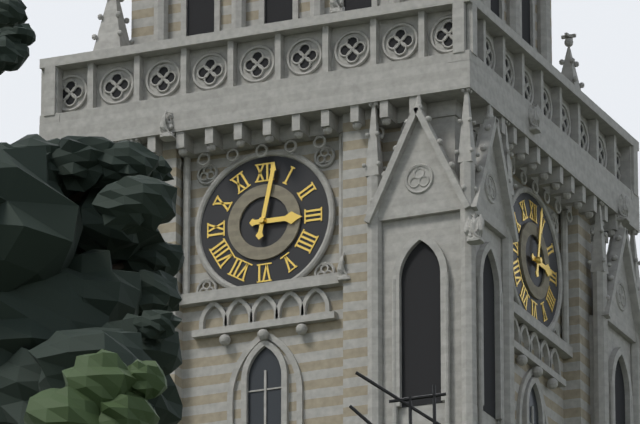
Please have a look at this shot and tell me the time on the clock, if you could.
3:02
